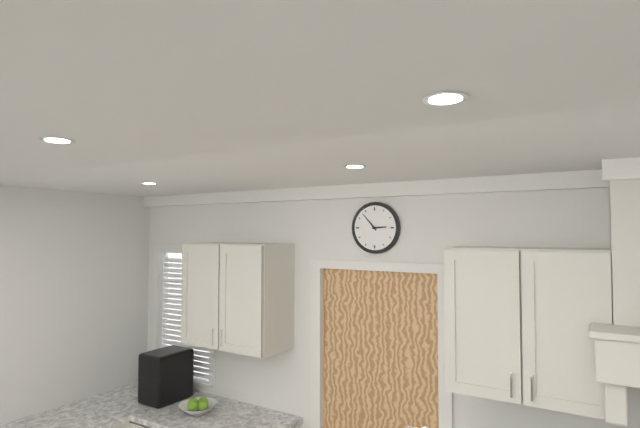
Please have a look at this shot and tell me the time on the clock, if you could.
2:53
